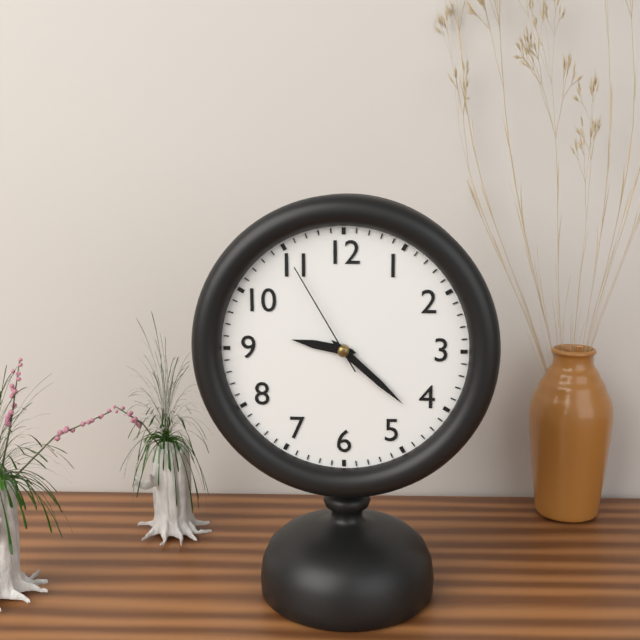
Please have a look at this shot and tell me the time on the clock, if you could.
9:22:55
